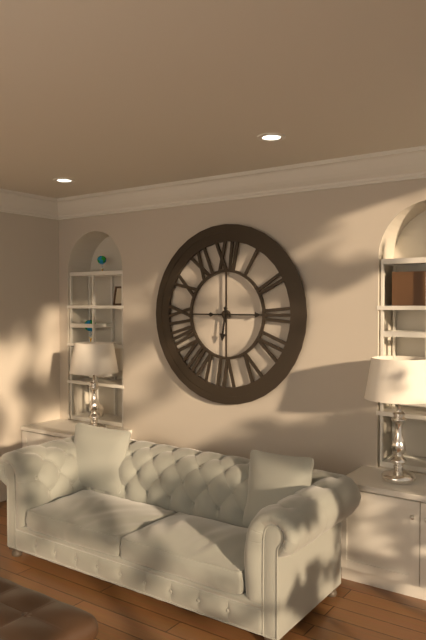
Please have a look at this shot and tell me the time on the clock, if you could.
6:15
